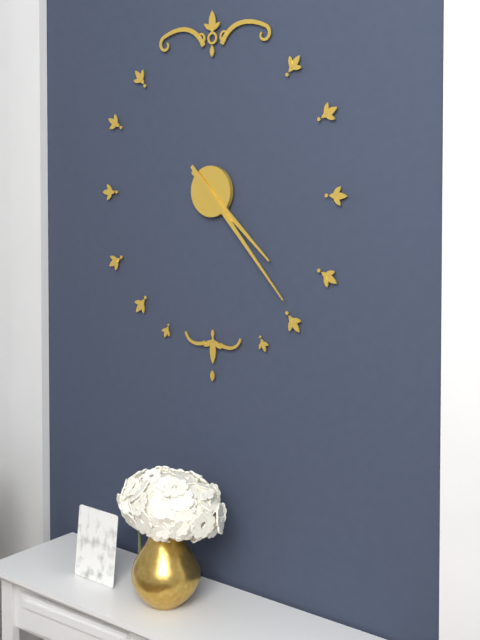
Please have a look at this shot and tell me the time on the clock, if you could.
4:23
